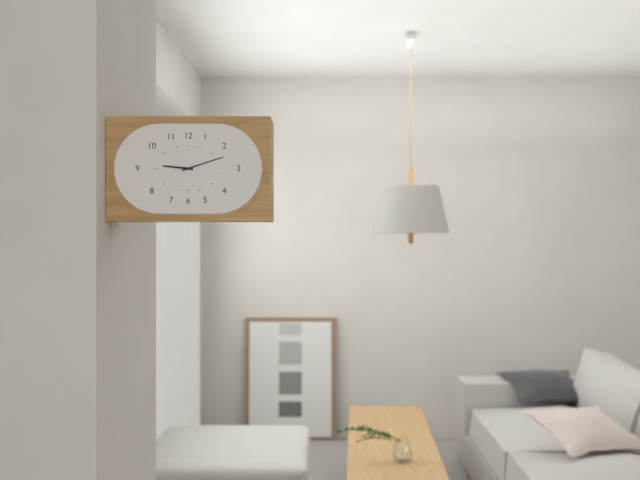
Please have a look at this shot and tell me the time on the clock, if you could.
9:12
